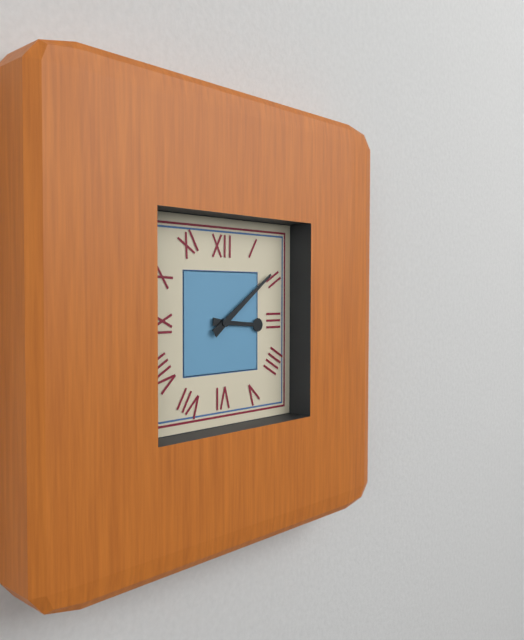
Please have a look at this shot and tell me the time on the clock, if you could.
3:09
